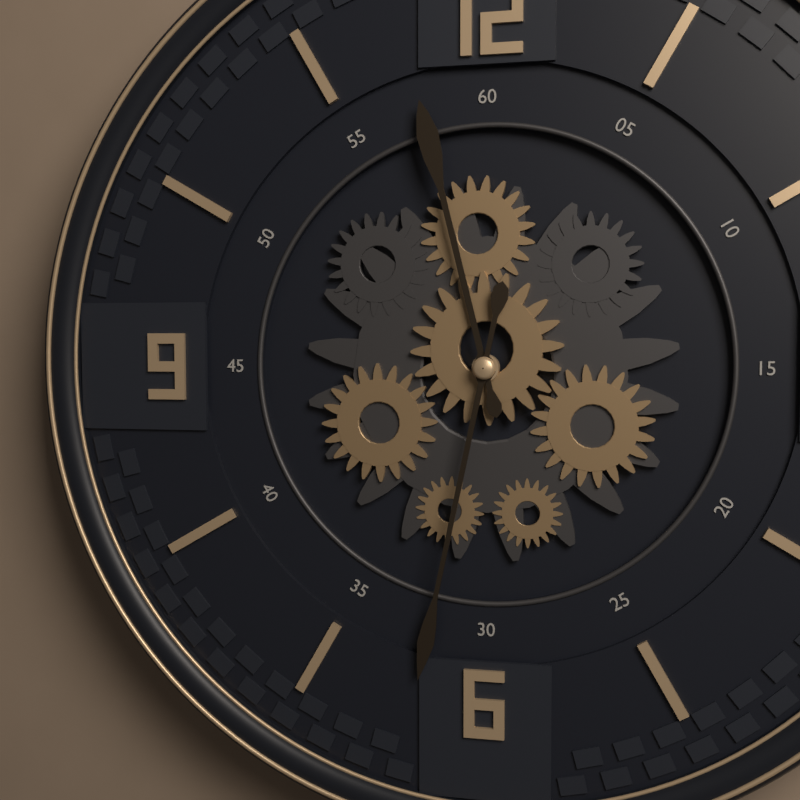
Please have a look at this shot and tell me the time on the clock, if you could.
11:32
